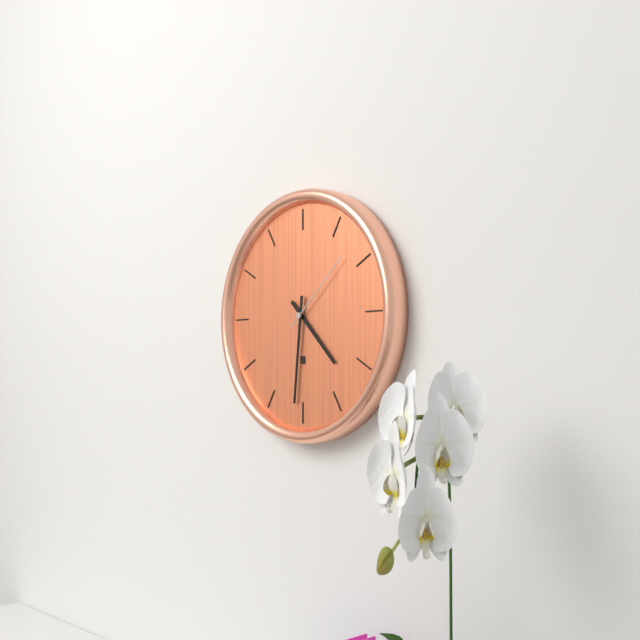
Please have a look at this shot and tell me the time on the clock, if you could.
4:31:08
